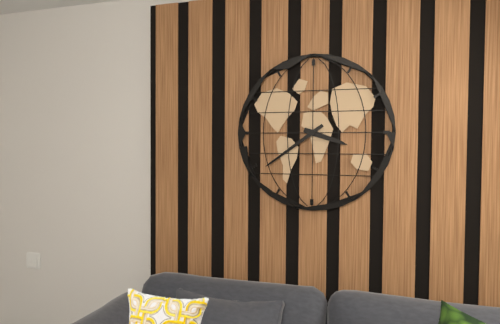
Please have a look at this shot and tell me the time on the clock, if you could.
3:39
